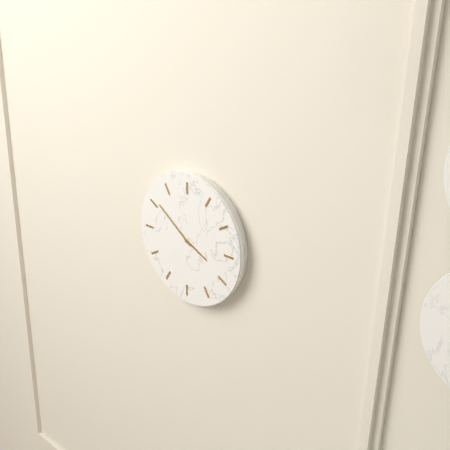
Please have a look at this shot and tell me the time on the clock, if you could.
3:51
